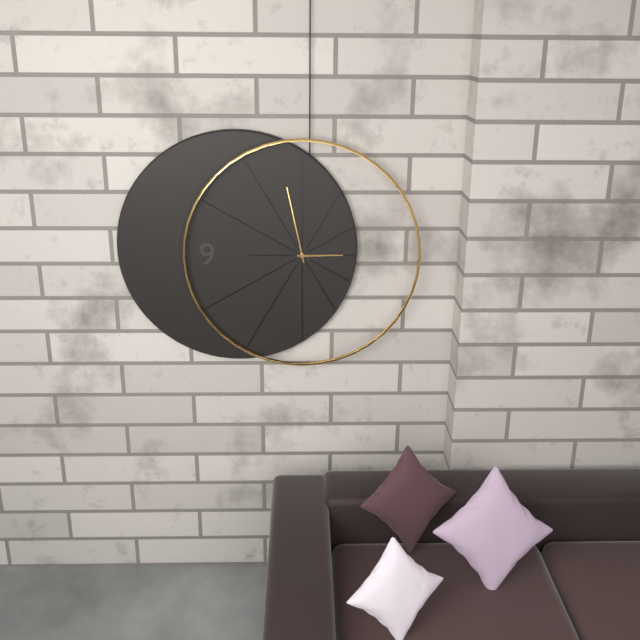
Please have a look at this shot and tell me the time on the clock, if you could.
2:58
